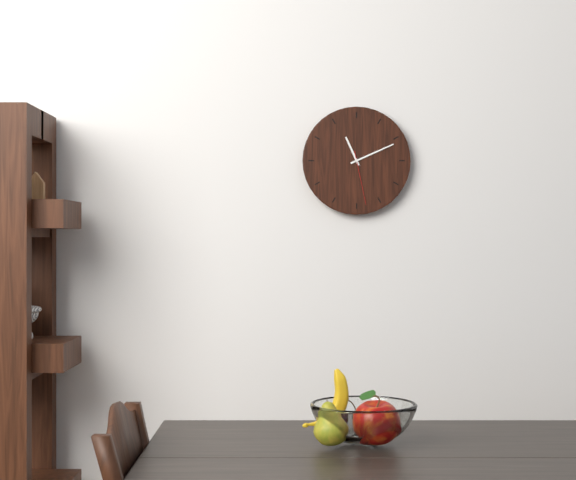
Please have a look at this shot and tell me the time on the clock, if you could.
11:11:28
